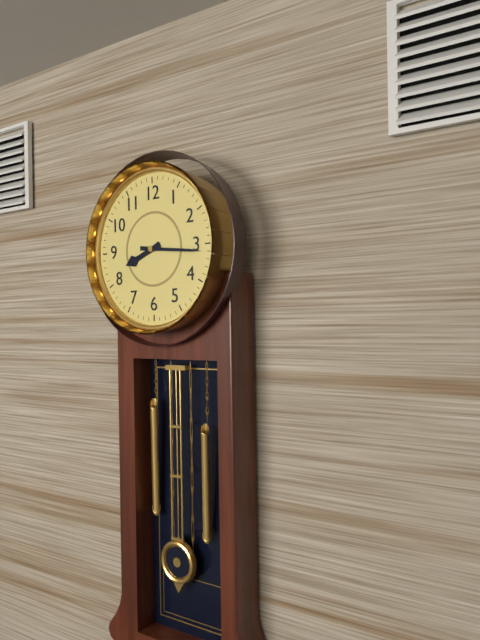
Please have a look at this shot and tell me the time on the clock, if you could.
8:16
